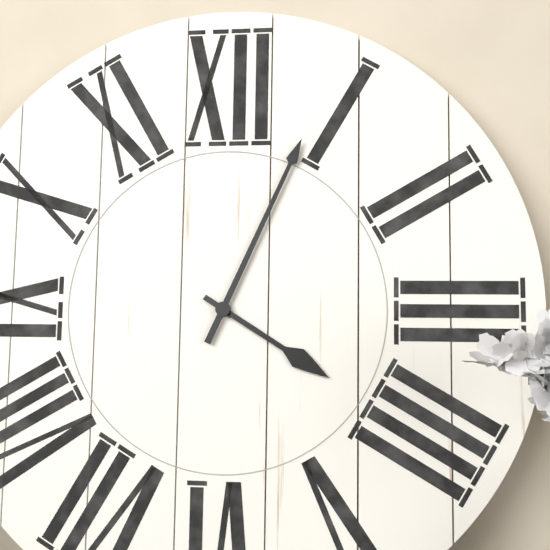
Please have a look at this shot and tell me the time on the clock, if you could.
4:04
